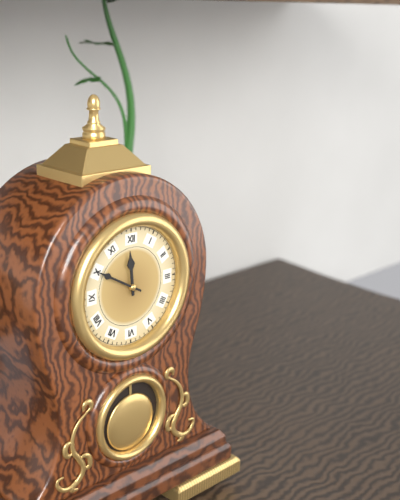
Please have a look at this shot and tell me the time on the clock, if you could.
11:50
